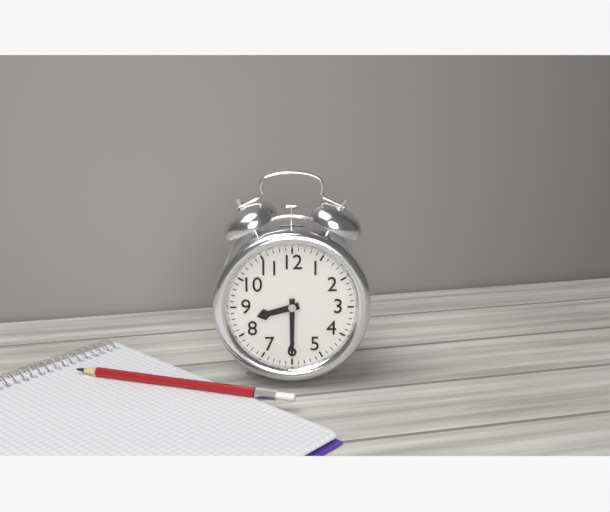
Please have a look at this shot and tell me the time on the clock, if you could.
8:30
